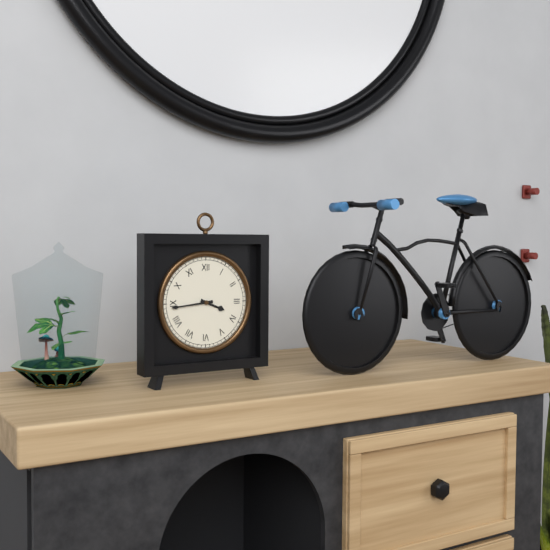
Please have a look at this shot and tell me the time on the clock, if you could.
3:44
